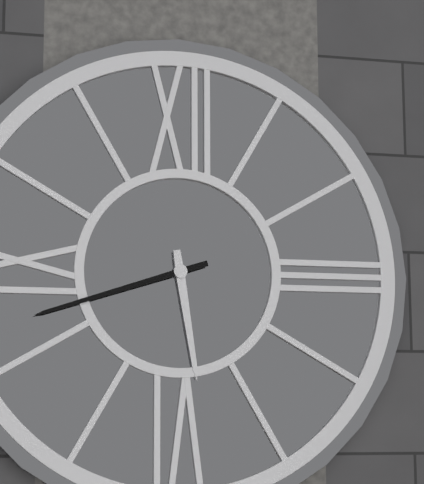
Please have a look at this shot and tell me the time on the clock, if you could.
5:42
